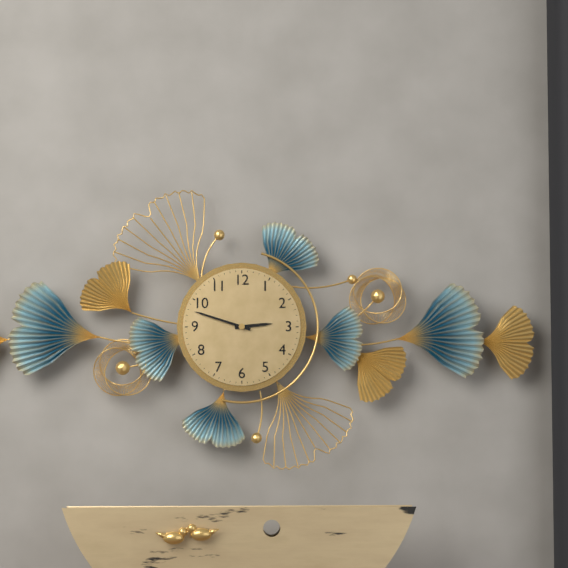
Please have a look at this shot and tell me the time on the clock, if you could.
2:48
